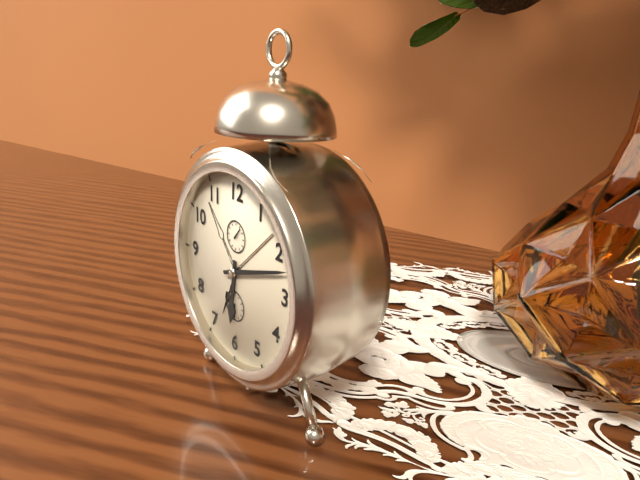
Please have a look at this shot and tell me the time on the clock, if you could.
6:12
